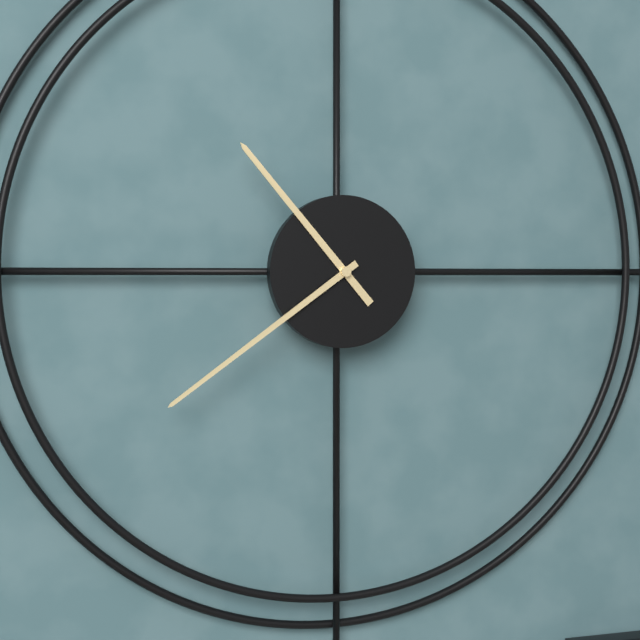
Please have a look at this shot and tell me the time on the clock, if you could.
10:39
